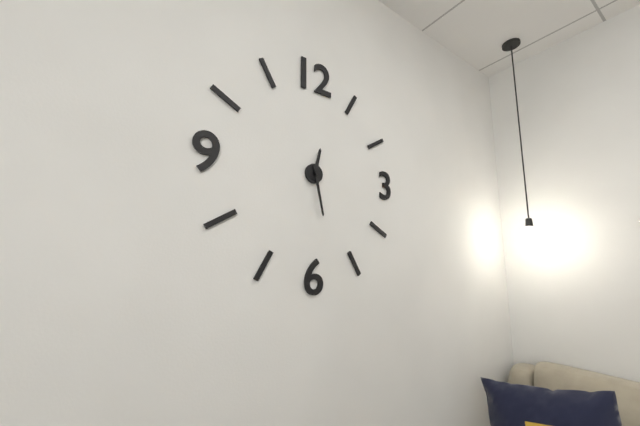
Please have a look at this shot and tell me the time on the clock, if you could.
12:28
